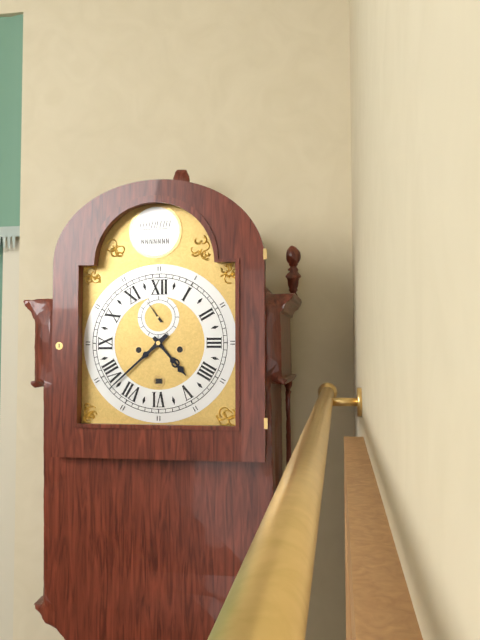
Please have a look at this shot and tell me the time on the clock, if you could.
4:38
